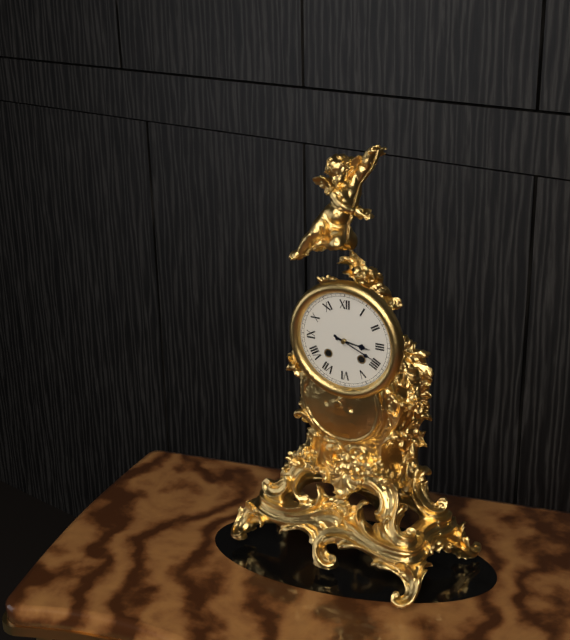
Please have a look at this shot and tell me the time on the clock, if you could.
3:19
